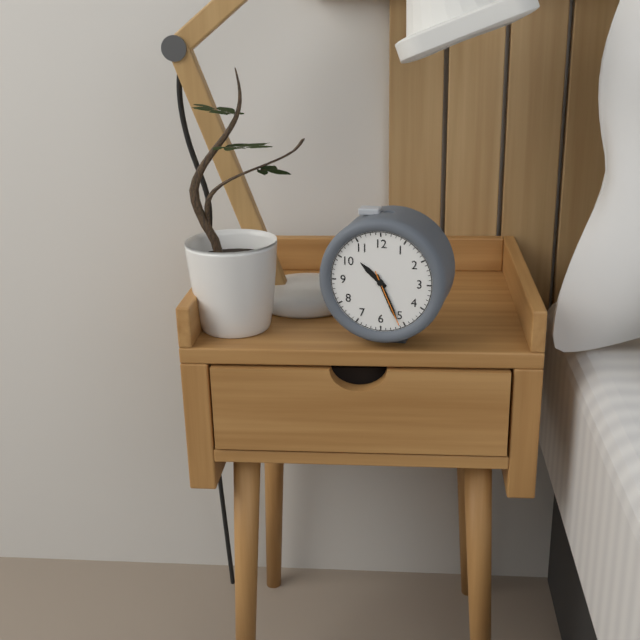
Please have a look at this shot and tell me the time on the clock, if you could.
10:26:26
